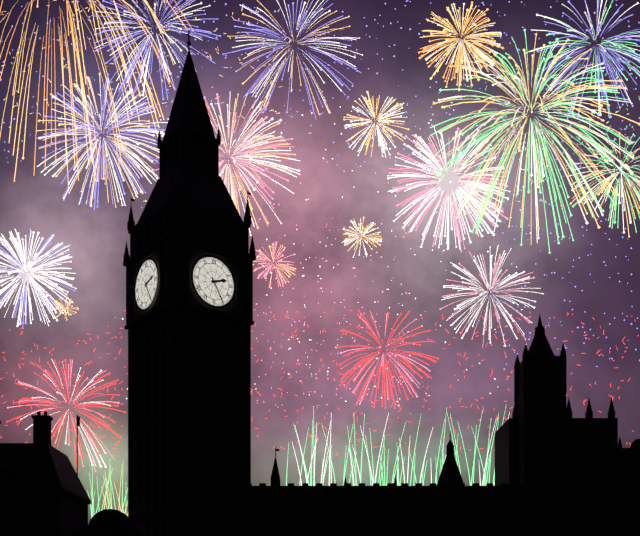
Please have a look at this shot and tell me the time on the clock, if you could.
2:25
